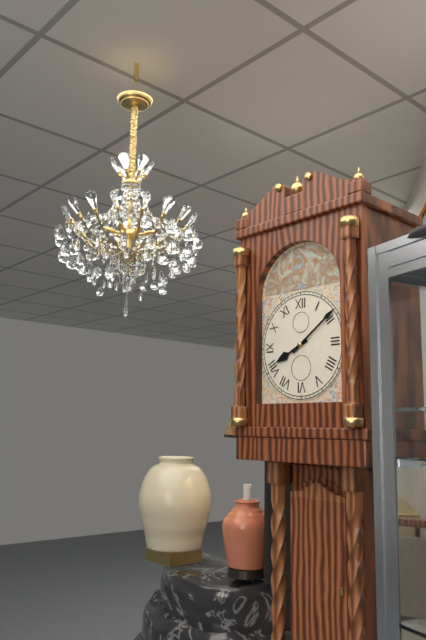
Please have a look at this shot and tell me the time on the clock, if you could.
8:09
